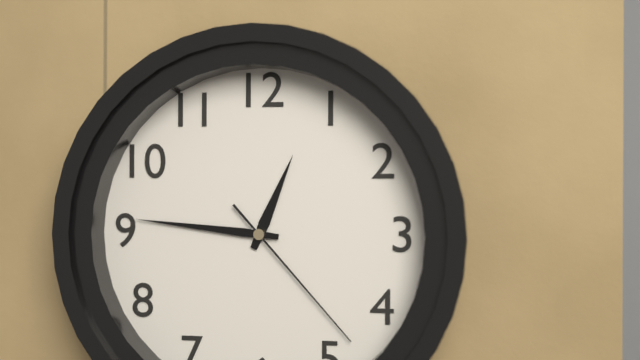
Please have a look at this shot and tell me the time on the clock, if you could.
12:46:23
